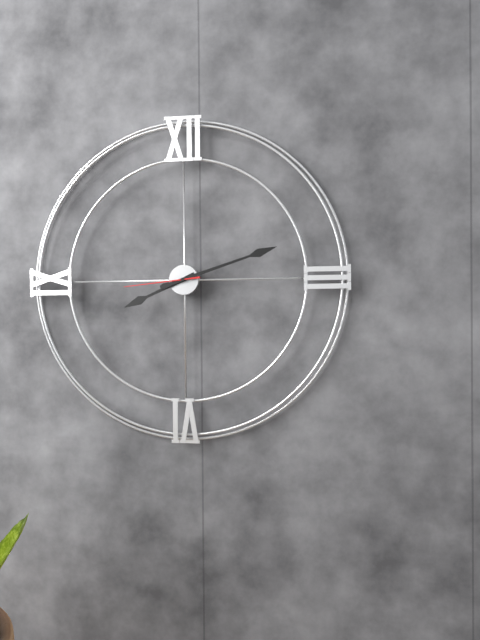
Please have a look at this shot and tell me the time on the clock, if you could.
8:12:44
